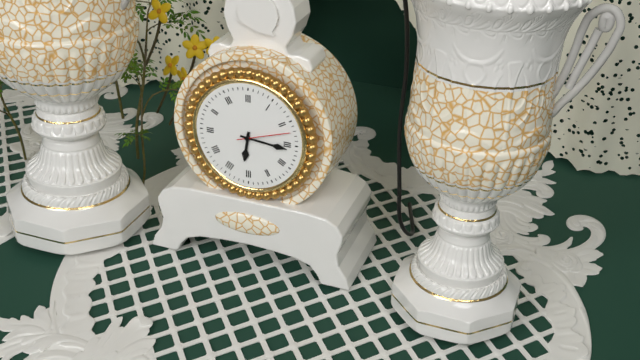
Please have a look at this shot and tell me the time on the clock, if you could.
6:16:12
